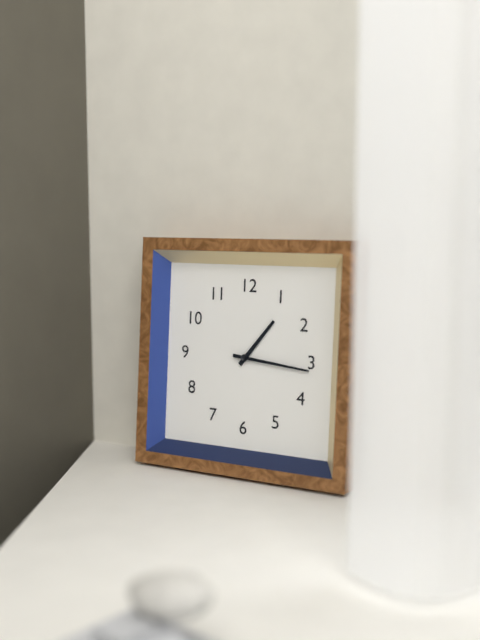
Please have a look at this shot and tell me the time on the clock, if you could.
1:16
